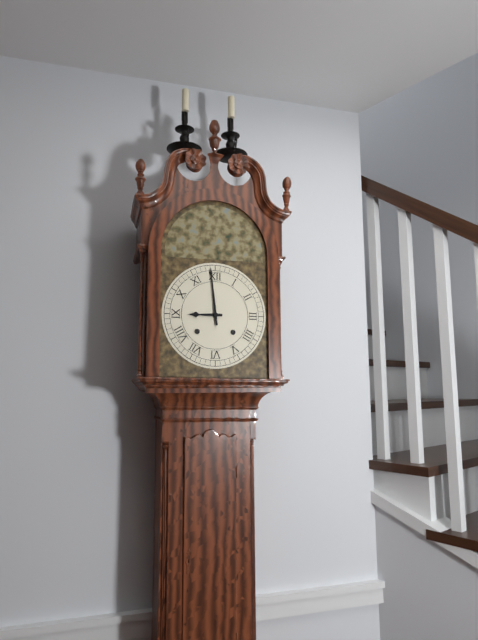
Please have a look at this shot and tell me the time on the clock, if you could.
8:59
